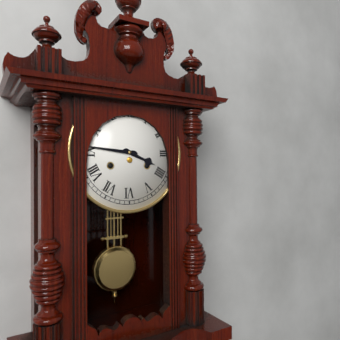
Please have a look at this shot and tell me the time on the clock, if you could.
3:46
